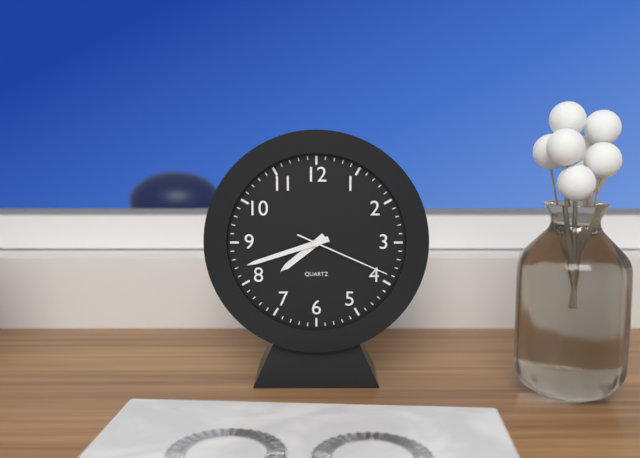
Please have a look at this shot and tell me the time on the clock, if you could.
7:42:19
